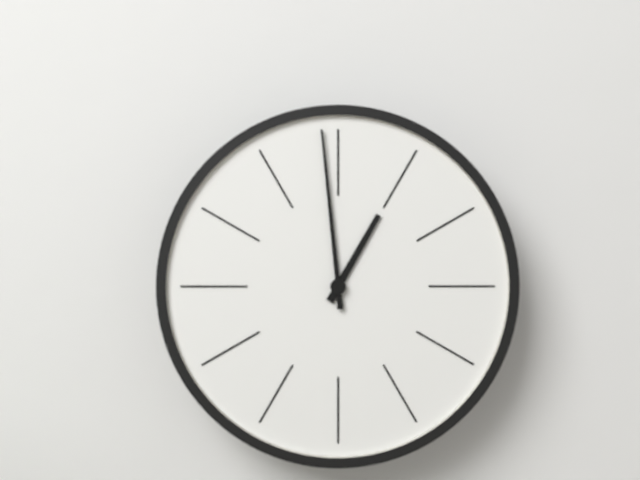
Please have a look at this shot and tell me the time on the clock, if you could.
12:59
